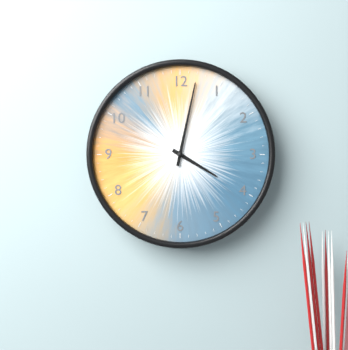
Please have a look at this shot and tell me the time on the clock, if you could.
4:02
